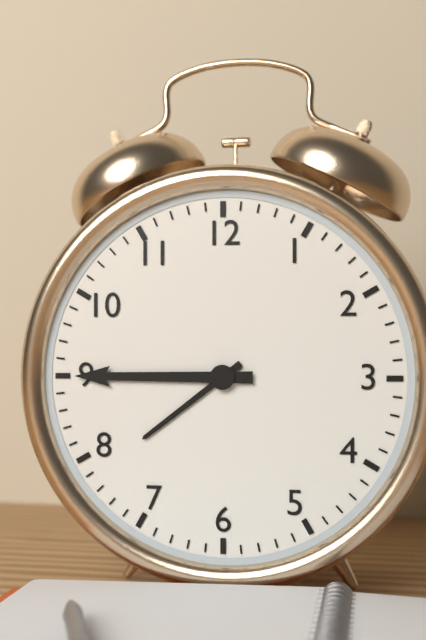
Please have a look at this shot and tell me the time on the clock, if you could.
7:45
